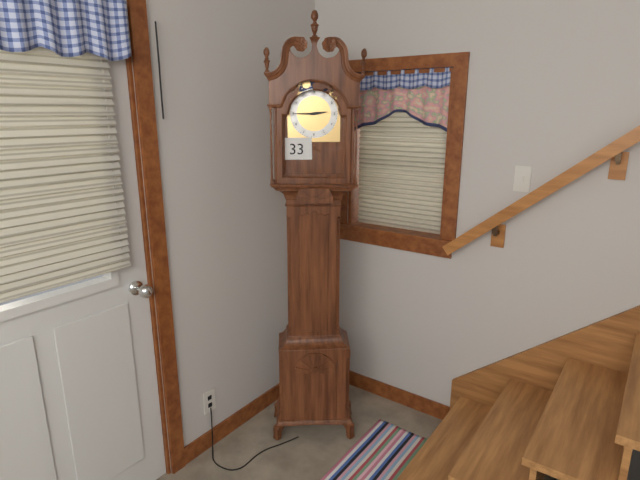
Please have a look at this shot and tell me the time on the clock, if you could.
2:45
